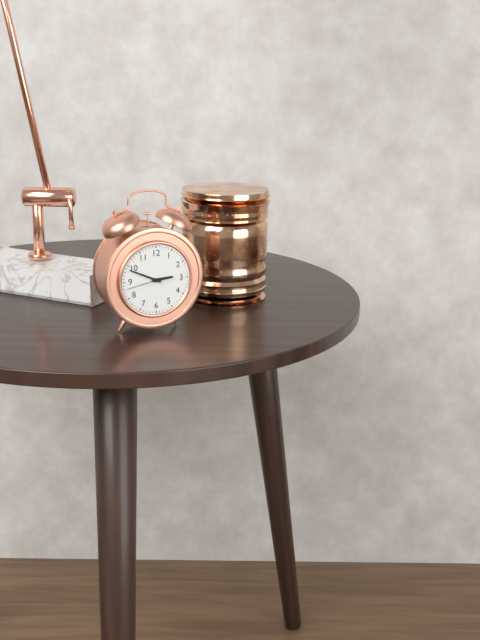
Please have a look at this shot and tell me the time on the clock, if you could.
2:49
